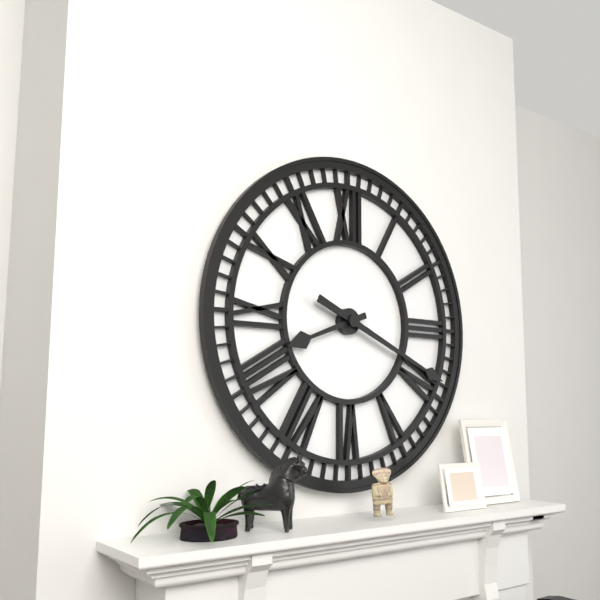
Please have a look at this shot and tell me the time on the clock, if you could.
8:19
